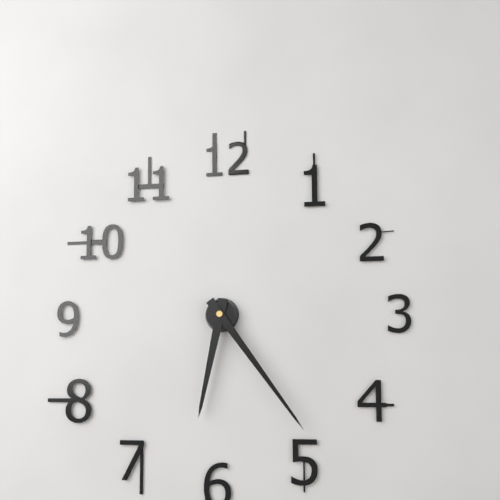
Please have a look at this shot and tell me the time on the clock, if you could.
6:24
